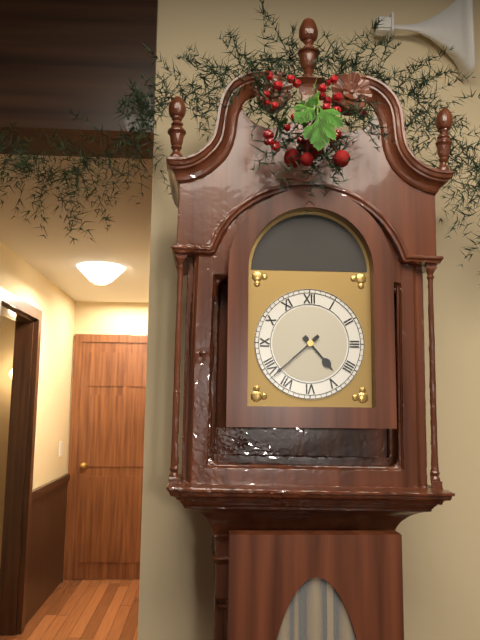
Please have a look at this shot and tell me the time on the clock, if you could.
4:38
